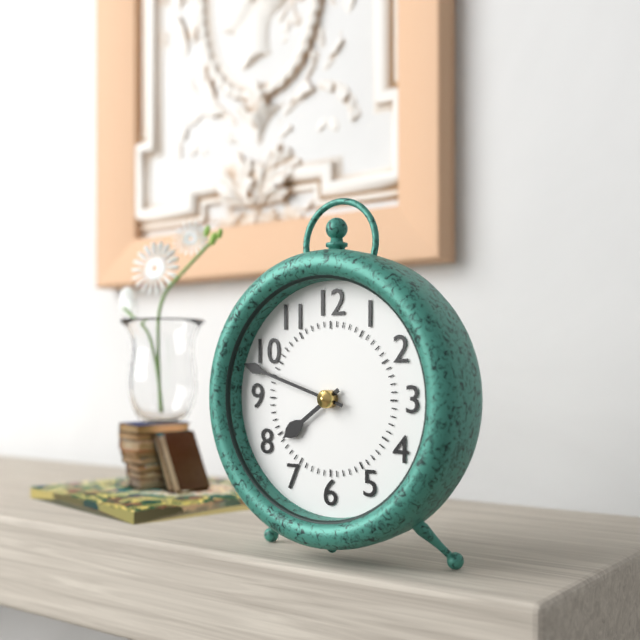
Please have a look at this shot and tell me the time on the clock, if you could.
7:48
